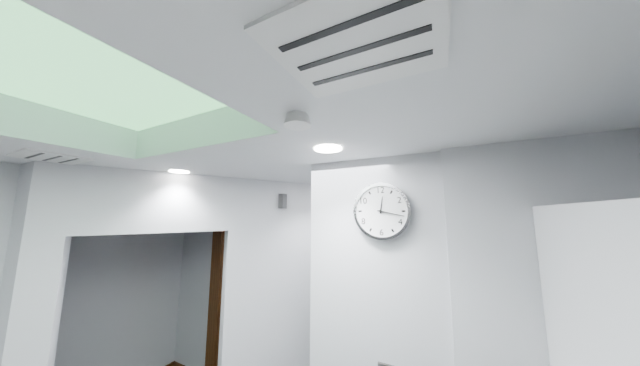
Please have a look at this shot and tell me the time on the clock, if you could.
12:17
